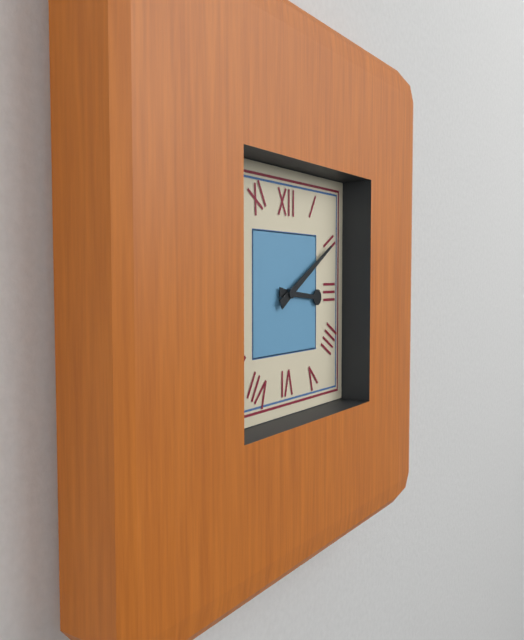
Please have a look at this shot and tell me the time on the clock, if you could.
3:10
